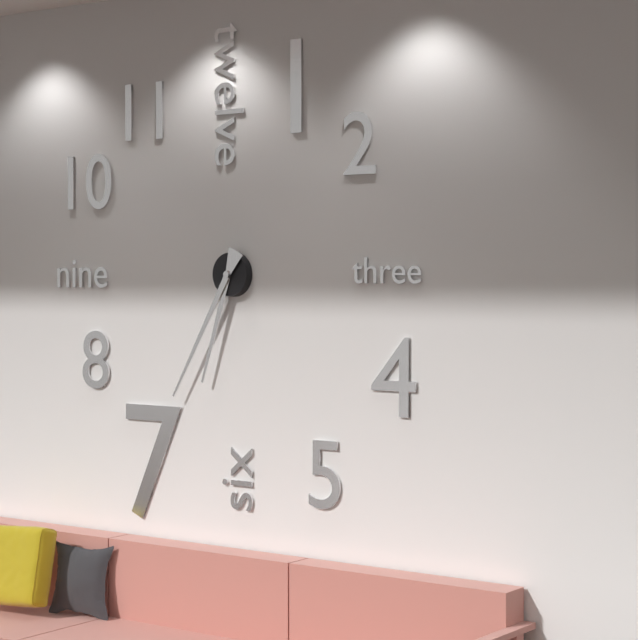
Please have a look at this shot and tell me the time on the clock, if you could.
6:35
